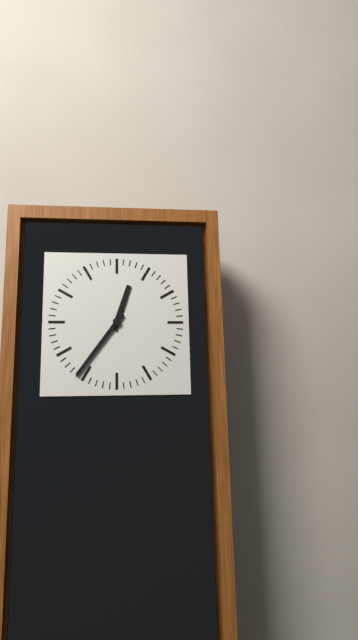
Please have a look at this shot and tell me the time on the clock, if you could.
12:36
